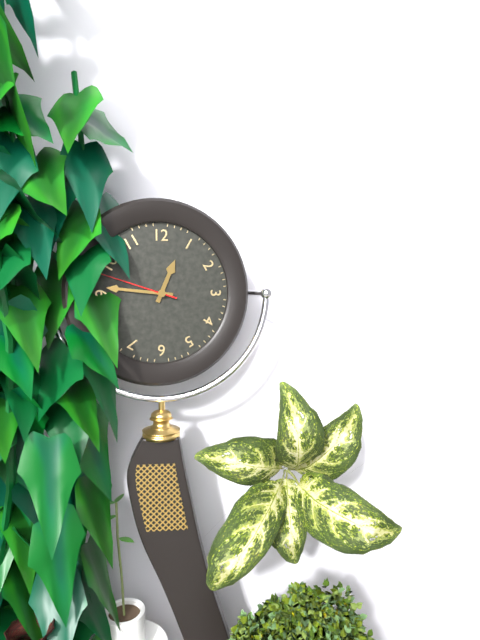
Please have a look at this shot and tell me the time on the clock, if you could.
12:46:48
